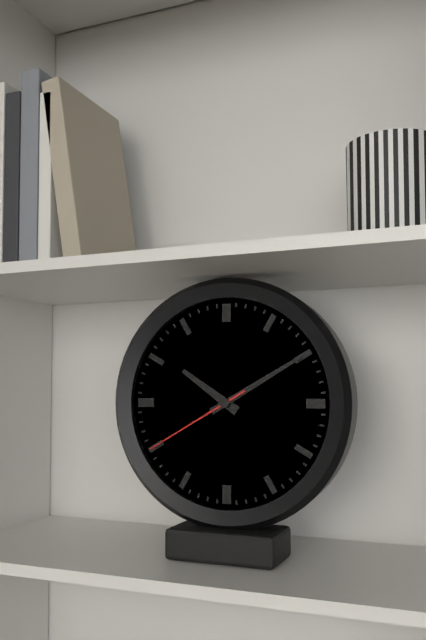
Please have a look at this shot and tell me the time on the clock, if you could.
10:10:40
